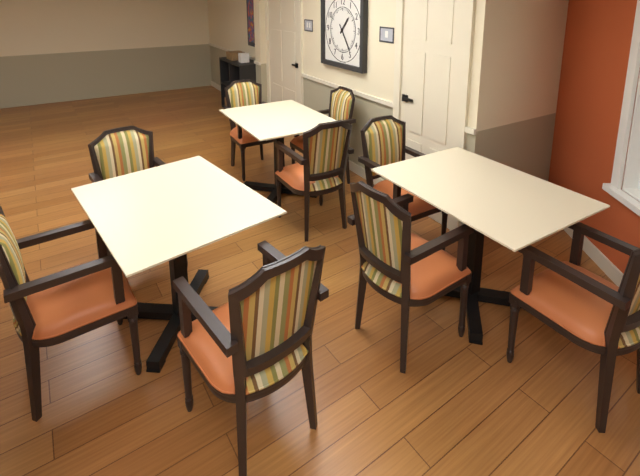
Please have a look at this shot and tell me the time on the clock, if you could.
1:24
